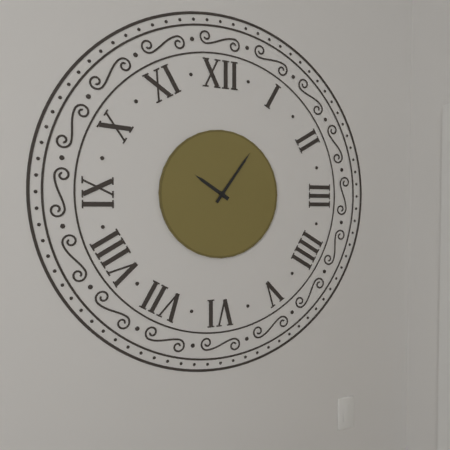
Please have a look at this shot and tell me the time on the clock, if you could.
10:06
